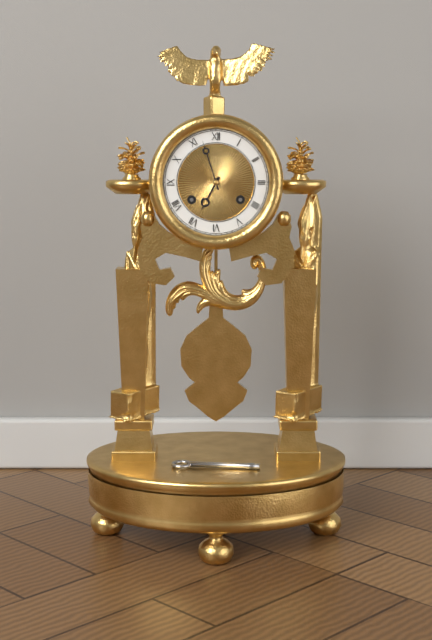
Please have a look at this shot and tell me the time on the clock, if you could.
6:57
